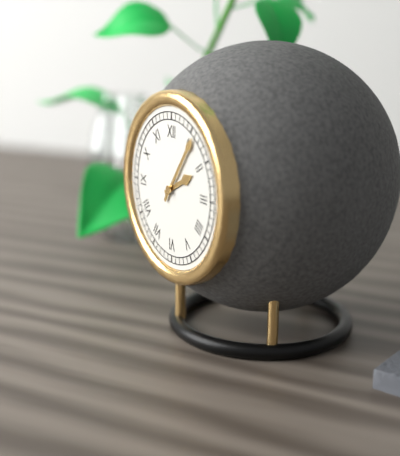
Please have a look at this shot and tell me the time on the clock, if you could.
2:06
